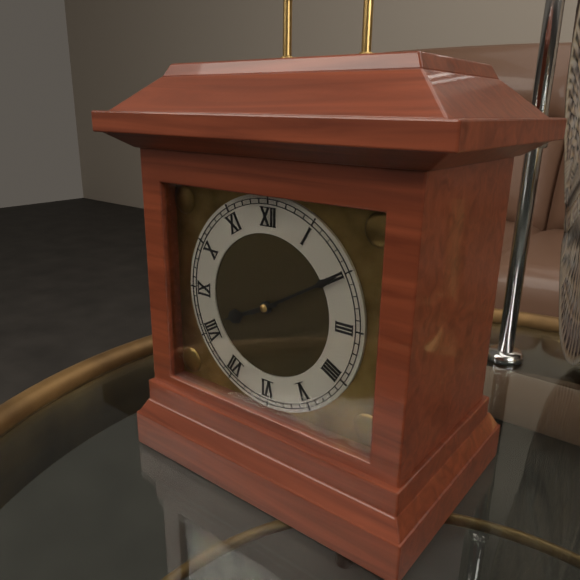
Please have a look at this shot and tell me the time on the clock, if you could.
8:10
